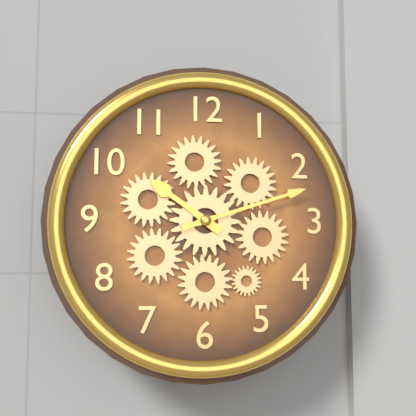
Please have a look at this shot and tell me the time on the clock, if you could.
10:12
